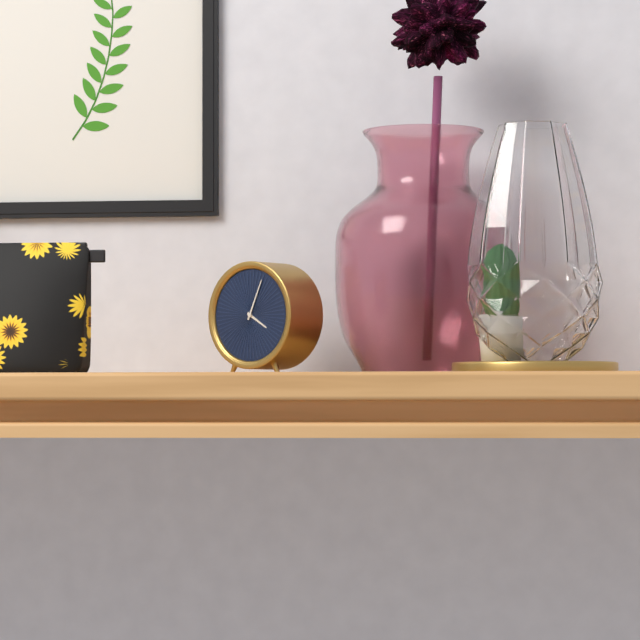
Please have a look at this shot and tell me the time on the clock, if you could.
4:04
